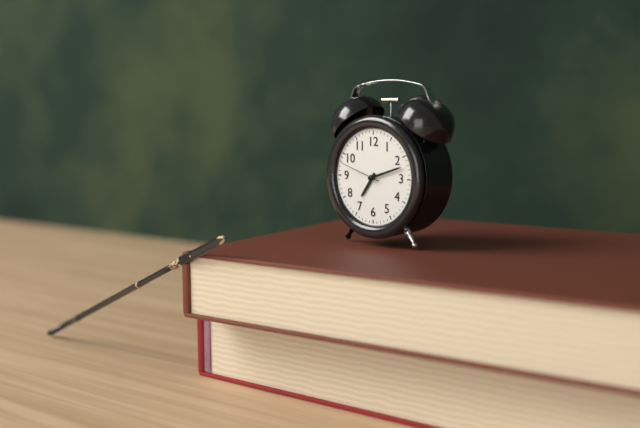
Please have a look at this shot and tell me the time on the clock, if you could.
7:12
